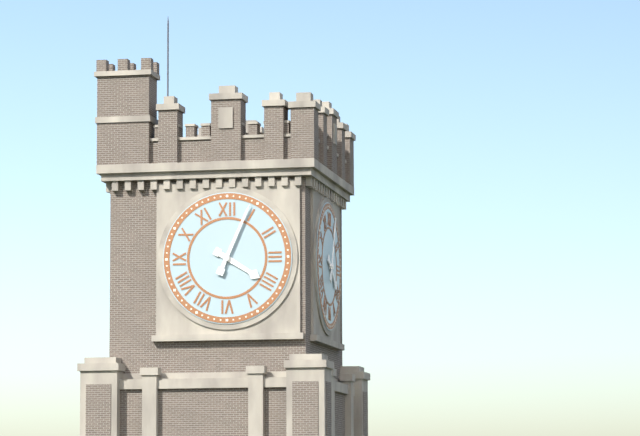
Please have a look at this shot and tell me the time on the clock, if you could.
4:04
